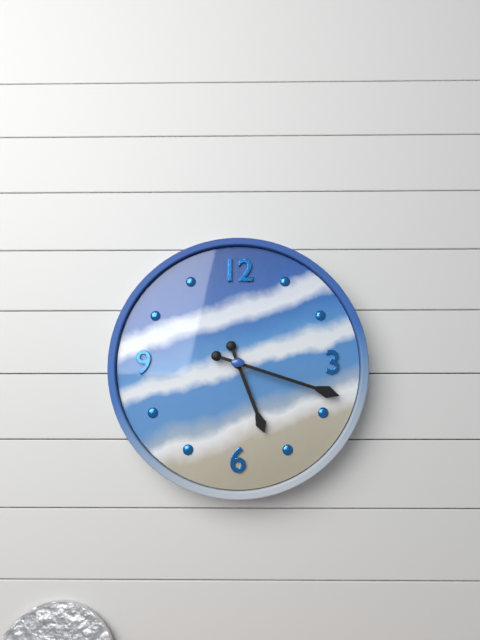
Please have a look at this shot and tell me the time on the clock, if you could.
5:18
